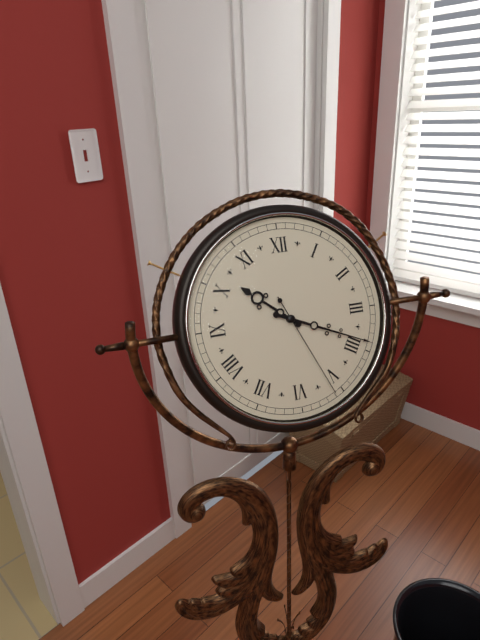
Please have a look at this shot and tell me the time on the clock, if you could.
10:19:26
